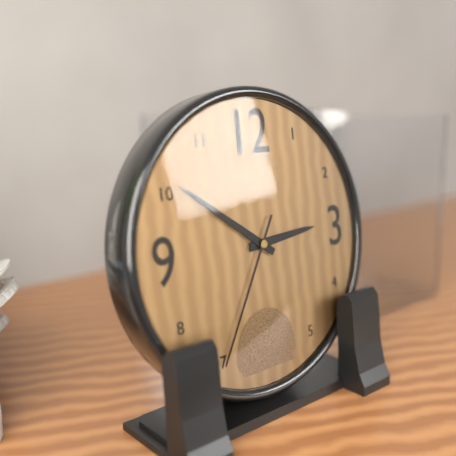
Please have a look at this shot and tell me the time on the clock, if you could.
2:51:35
